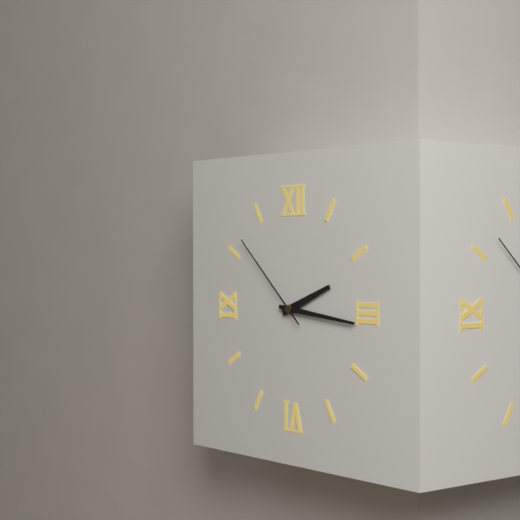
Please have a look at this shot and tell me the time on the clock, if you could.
2:16:52
